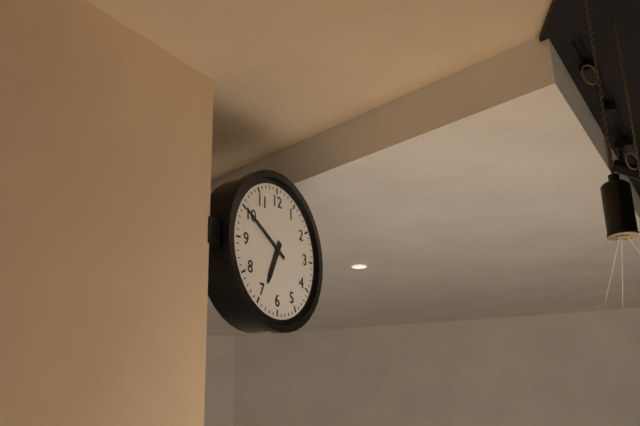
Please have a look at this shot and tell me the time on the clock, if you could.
6:50
